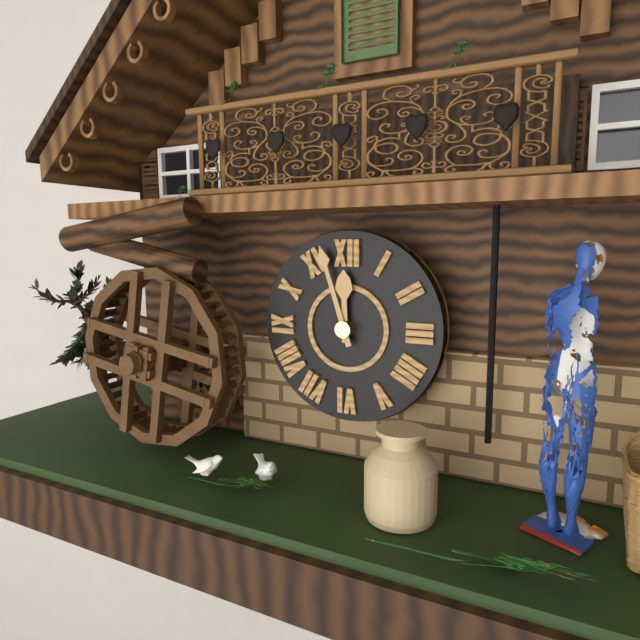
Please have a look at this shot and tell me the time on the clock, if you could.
11:57
